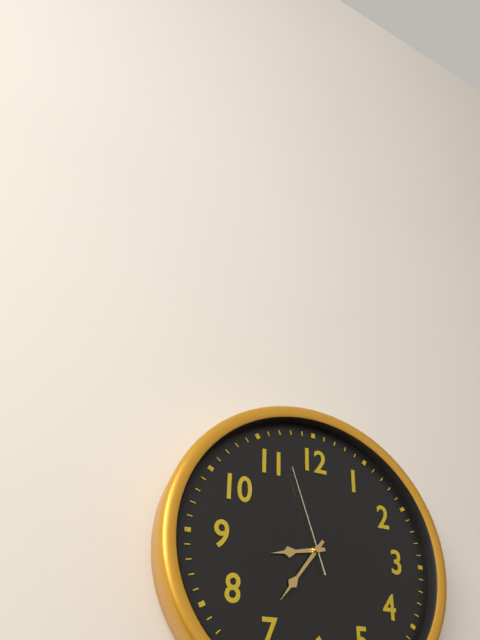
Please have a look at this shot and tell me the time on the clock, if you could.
8:36:57
